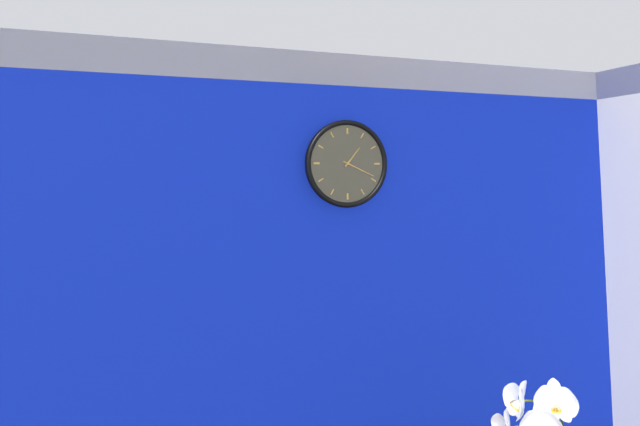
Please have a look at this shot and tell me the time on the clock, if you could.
1:19
